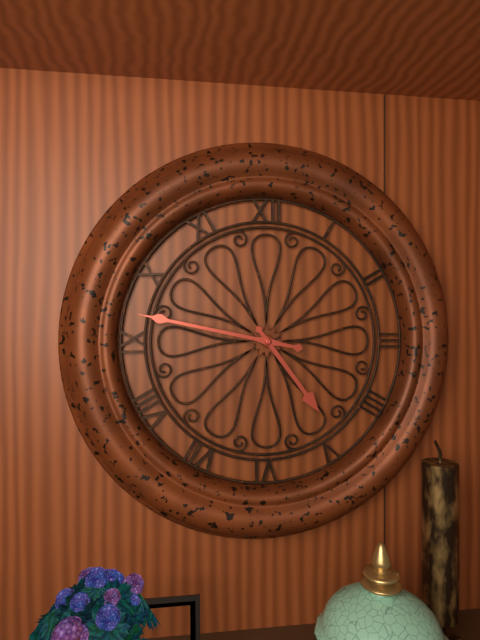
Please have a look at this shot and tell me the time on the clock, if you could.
4:47
